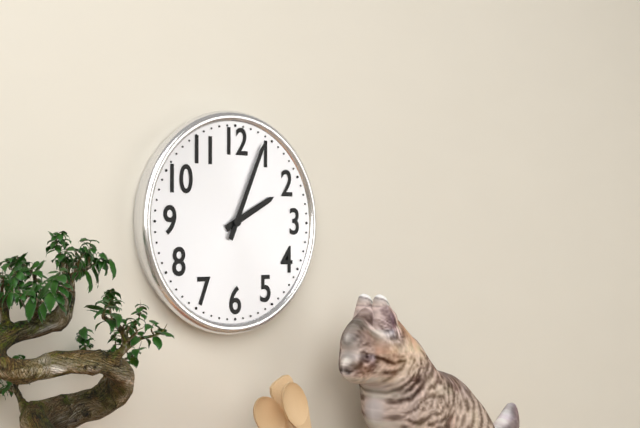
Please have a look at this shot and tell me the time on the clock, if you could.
2:04
